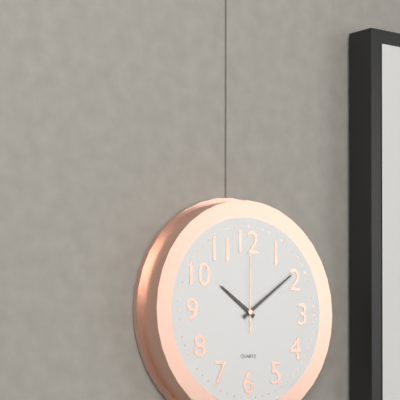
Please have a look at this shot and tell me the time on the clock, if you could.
10:09:00
